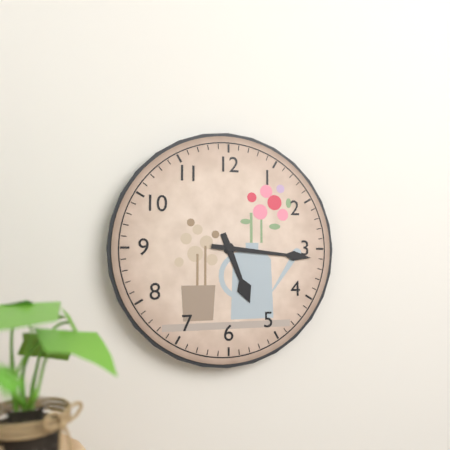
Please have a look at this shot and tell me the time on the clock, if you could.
5:16
